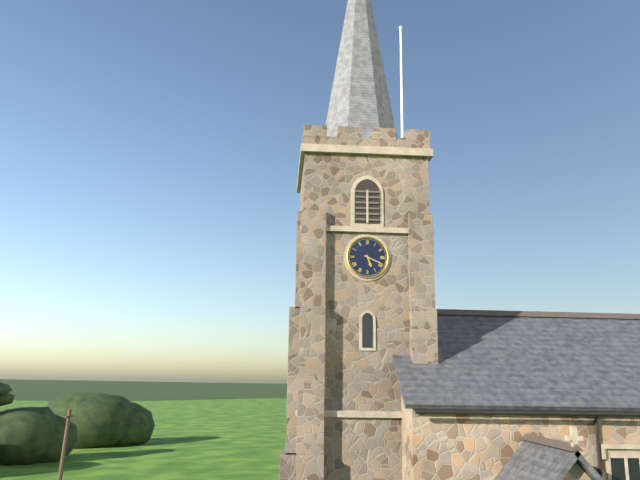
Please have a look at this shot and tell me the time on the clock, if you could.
5:19
